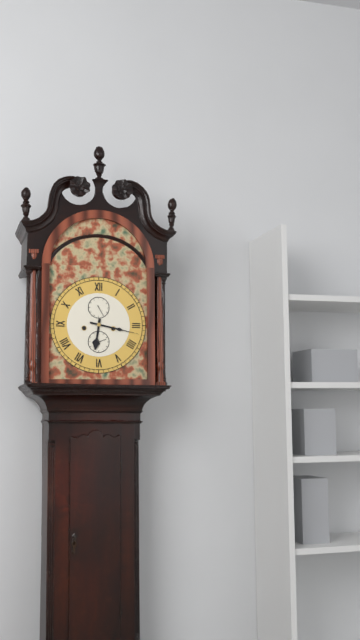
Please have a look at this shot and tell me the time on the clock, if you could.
6:17
